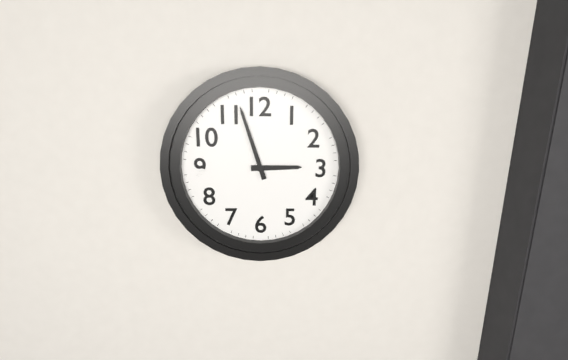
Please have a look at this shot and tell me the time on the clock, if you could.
2:57
